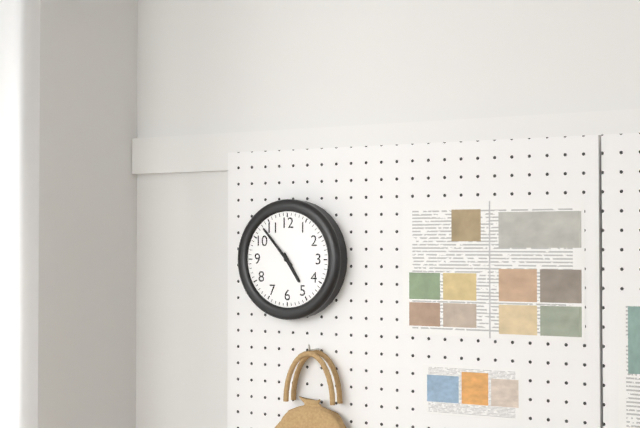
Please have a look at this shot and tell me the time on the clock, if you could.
4:53
